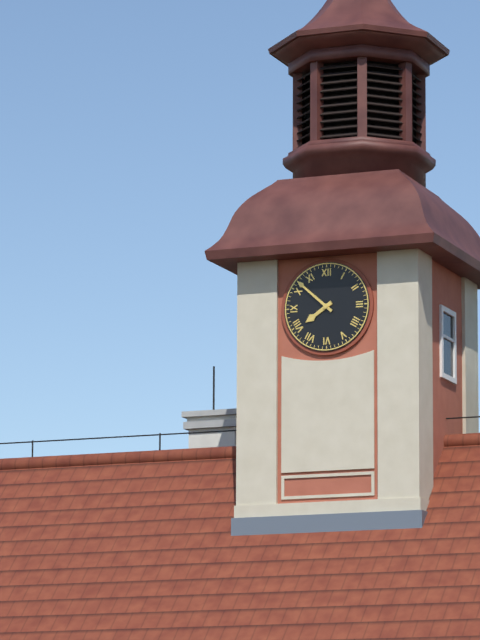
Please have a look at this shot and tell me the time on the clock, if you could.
7:52
